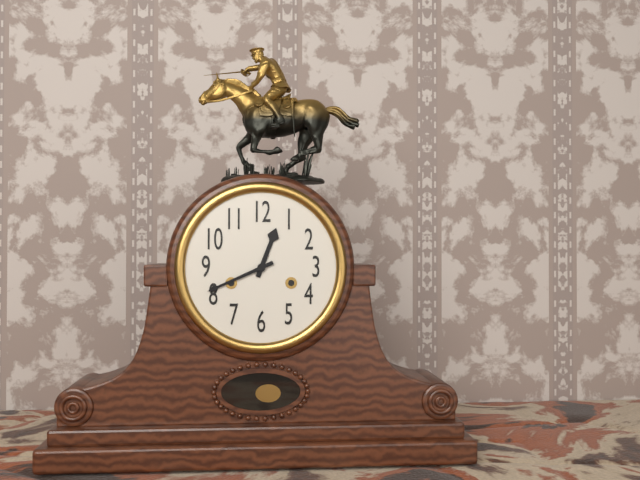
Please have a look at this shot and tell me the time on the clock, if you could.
12:41
